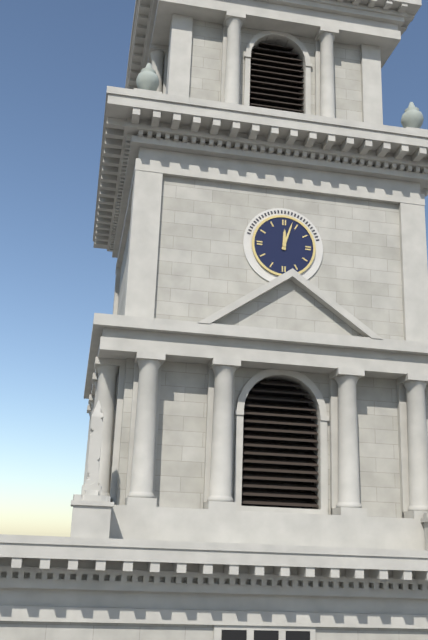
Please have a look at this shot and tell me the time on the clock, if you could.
12:03
